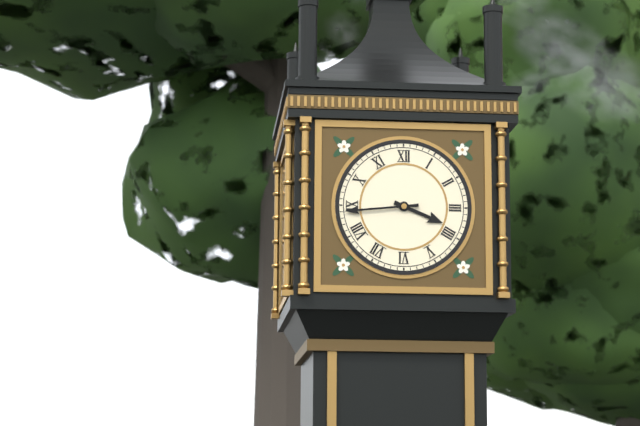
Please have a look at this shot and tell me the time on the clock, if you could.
3:44
